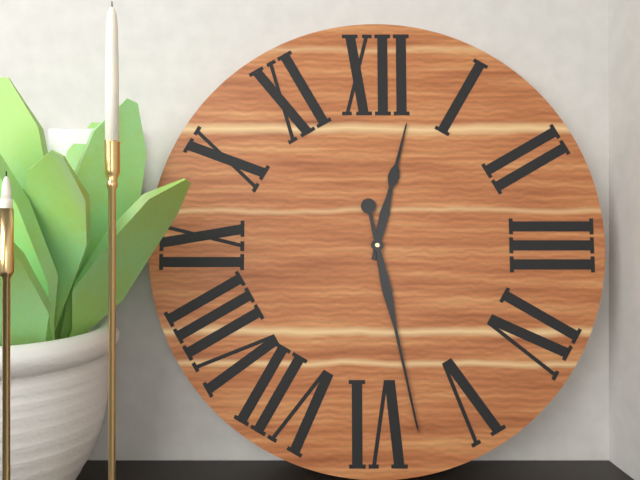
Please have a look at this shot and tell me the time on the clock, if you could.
12:28
